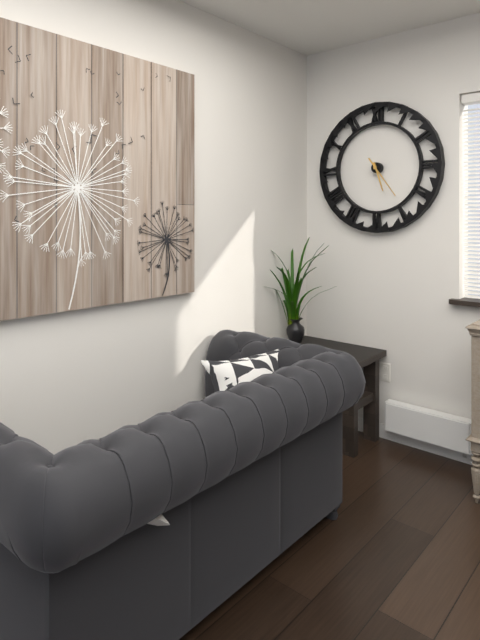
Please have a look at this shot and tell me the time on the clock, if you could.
5:24
